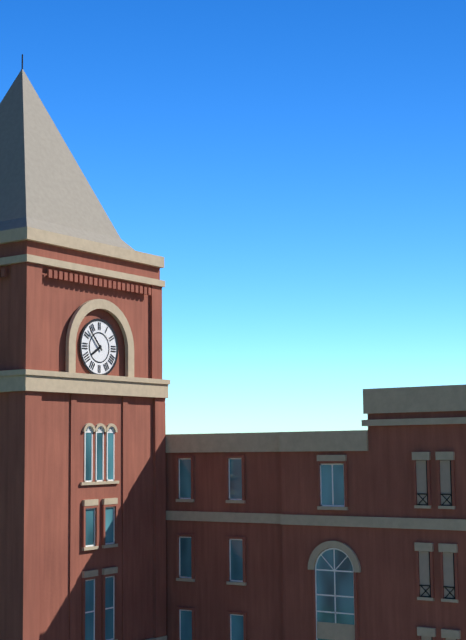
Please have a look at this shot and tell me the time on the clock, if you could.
7:53
